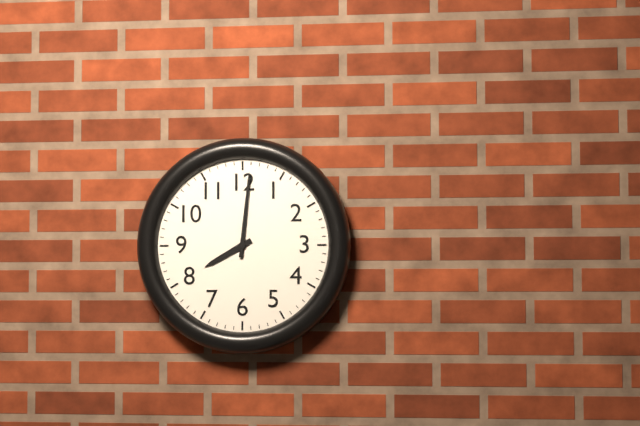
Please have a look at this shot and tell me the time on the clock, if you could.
8:01
